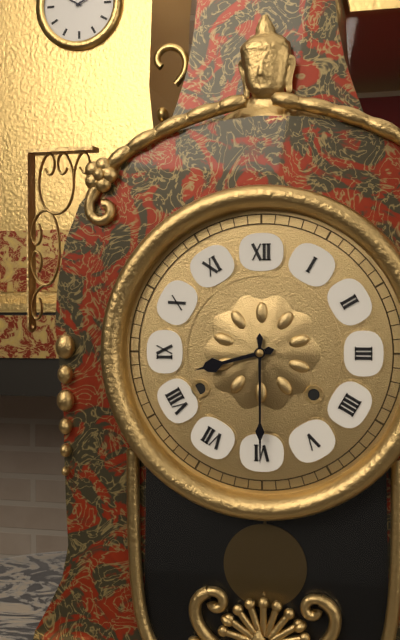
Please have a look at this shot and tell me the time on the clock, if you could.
8:30
